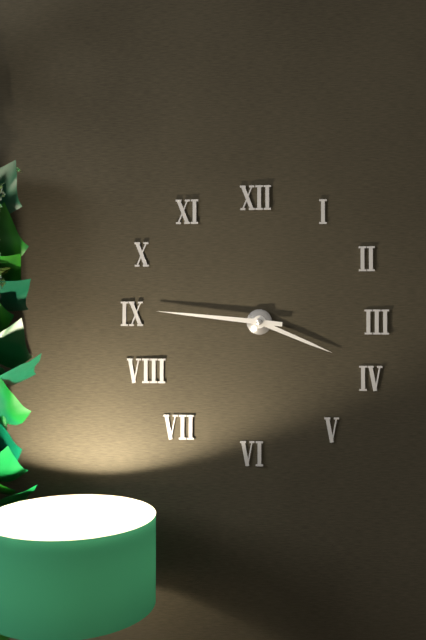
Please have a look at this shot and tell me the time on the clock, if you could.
3:46
